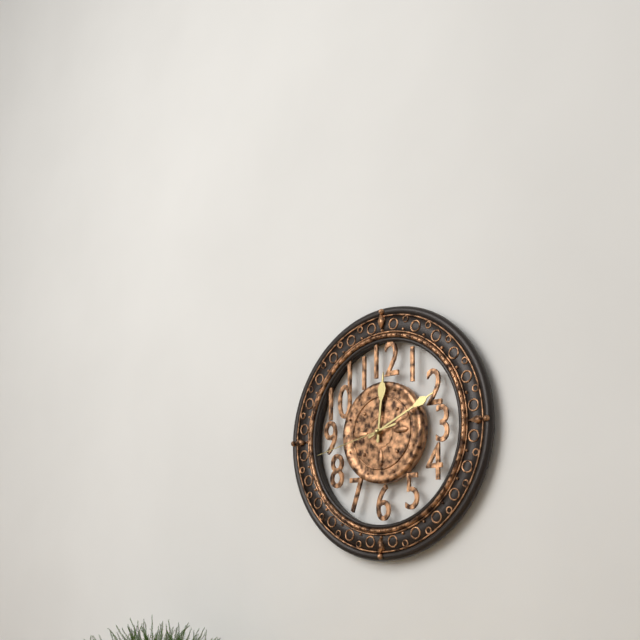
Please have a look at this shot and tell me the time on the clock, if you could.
12:11:43
